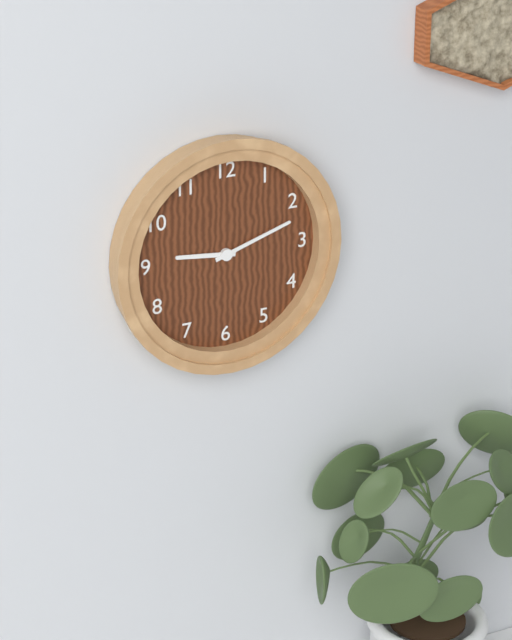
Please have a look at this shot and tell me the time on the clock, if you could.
9:12
